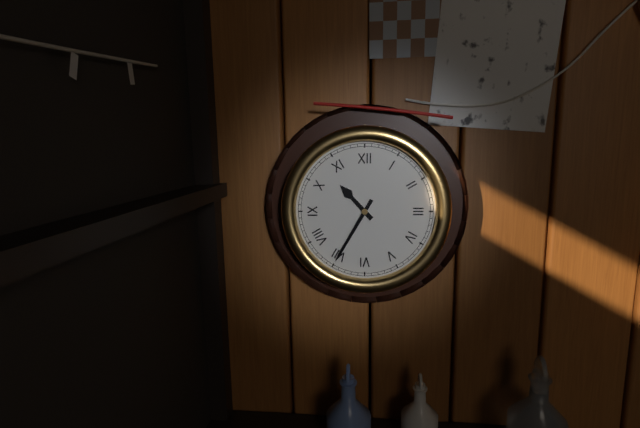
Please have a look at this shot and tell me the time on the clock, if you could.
10:35
